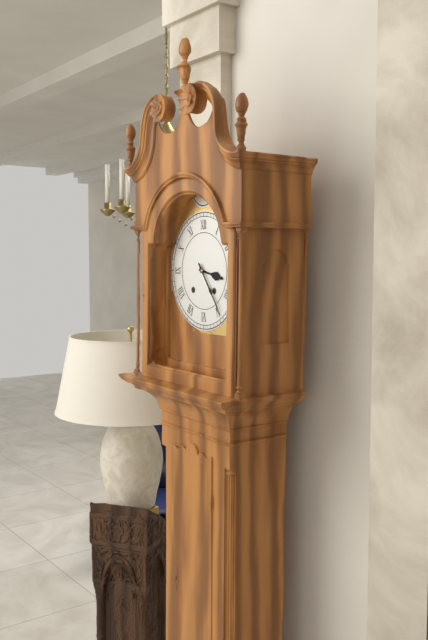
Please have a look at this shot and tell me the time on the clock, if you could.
3:24
